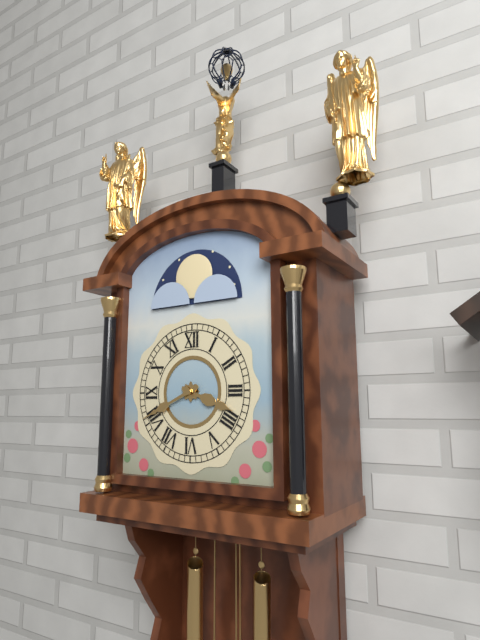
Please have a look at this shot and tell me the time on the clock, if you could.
3:41
